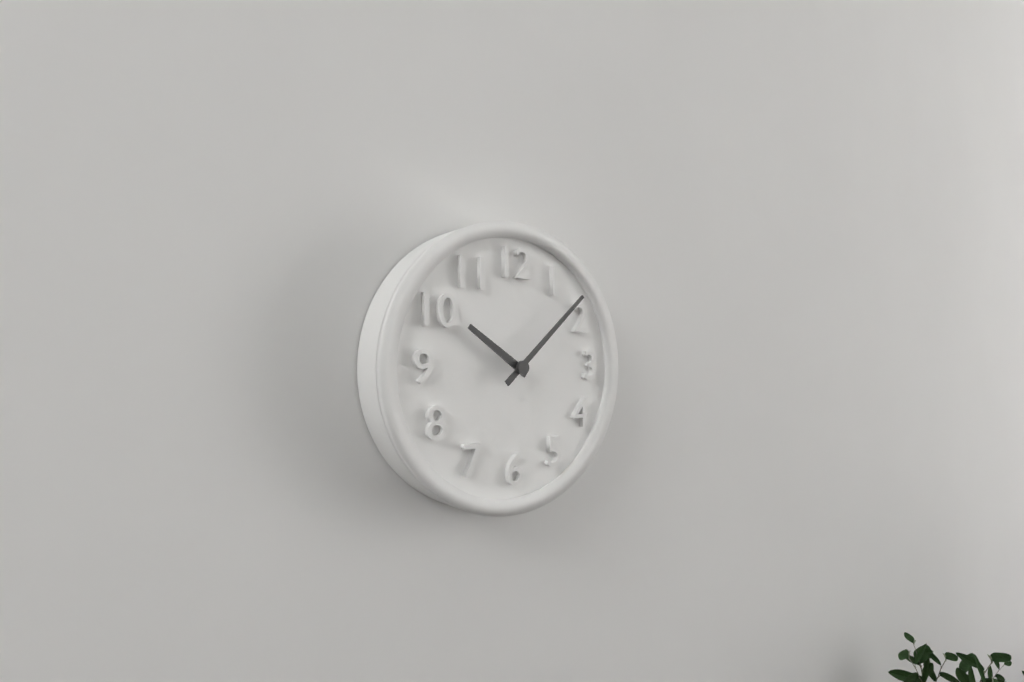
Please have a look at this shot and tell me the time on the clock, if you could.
10:08
